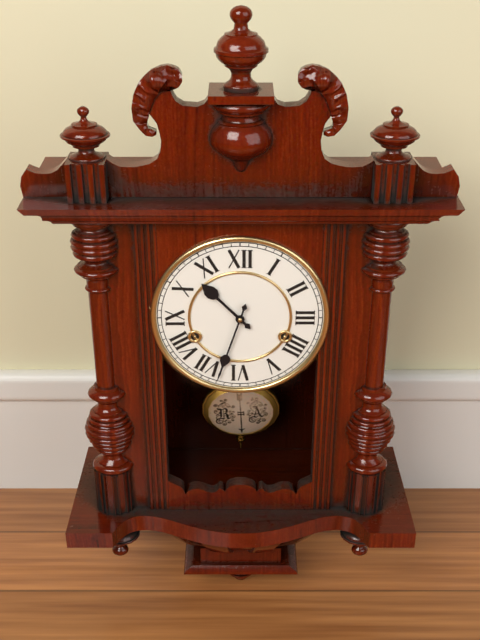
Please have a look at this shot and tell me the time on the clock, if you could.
10:33
